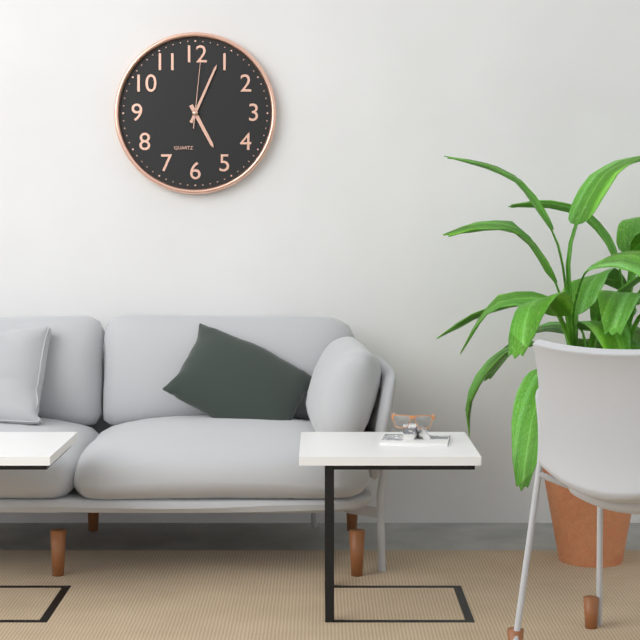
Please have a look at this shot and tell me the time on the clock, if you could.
5:04:01
